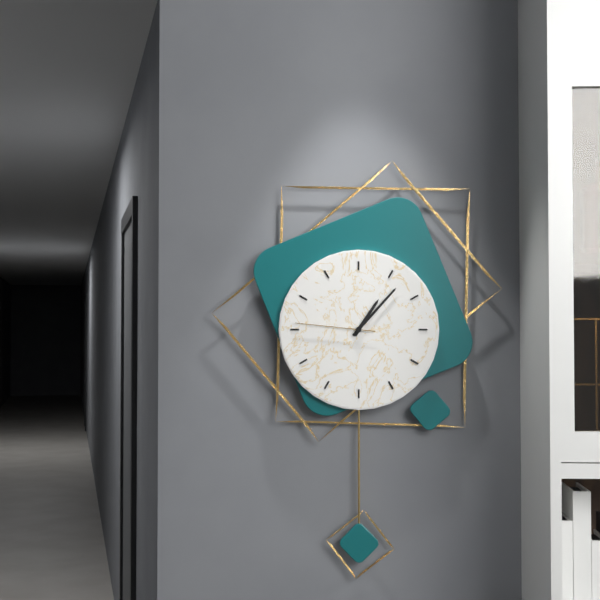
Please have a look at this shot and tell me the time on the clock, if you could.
1:07:46
